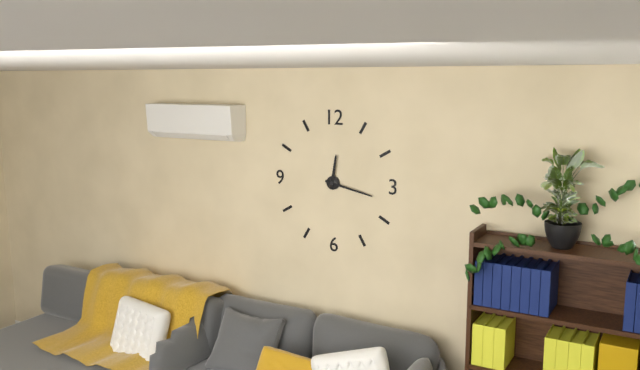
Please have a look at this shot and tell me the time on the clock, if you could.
12:17
